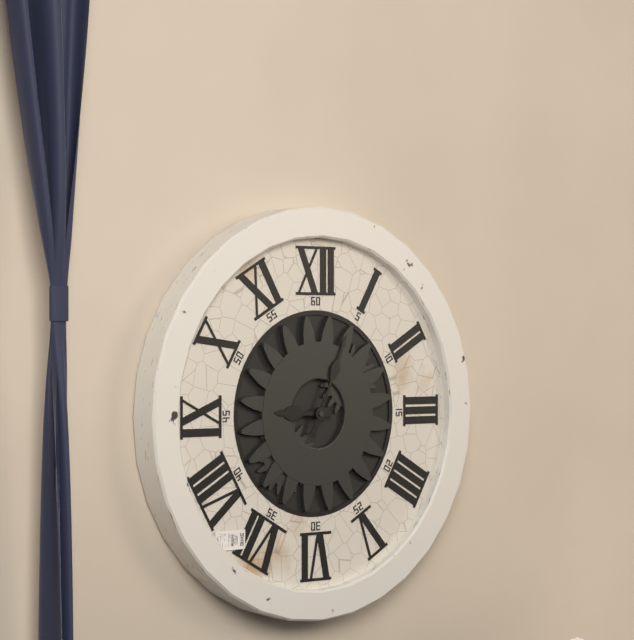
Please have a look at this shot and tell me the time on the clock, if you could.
9:04
